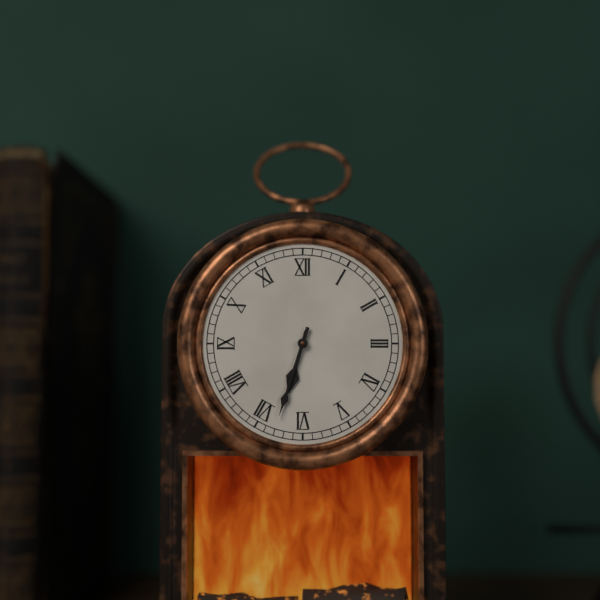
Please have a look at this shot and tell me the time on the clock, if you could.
6:33
